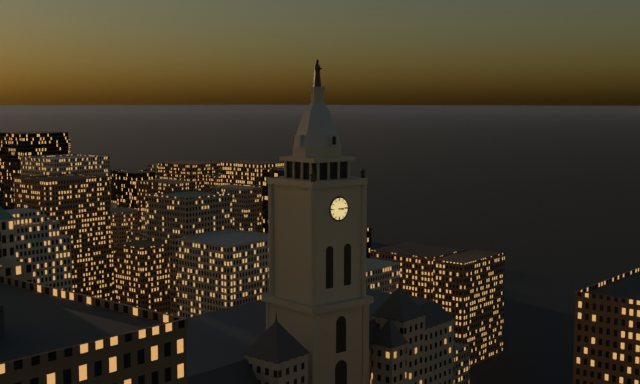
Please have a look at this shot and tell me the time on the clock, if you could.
3:14
